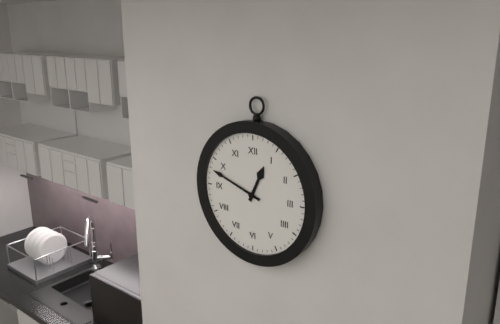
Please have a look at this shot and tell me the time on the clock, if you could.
12:48
